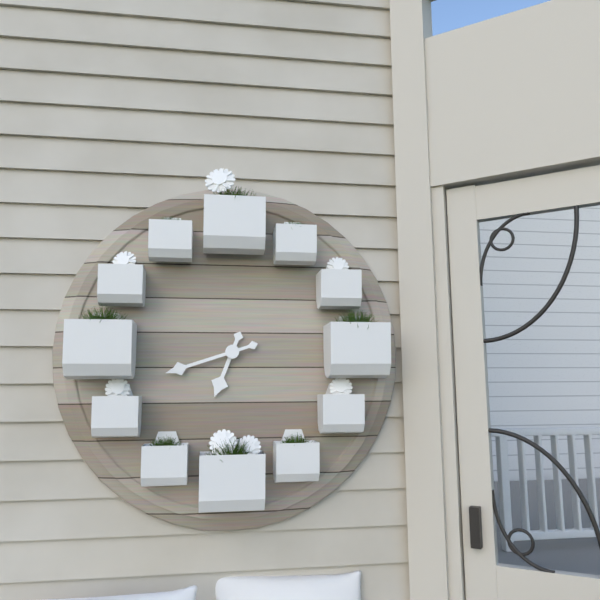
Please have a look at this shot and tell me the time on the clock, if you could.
6:42
